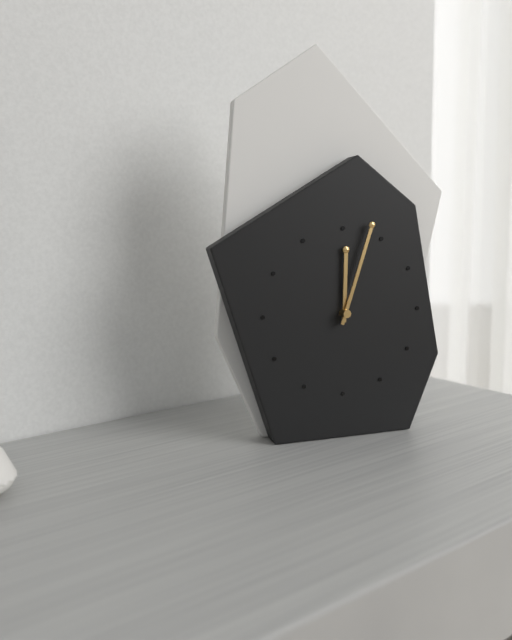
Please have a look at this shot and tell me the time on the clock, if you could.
12:03
